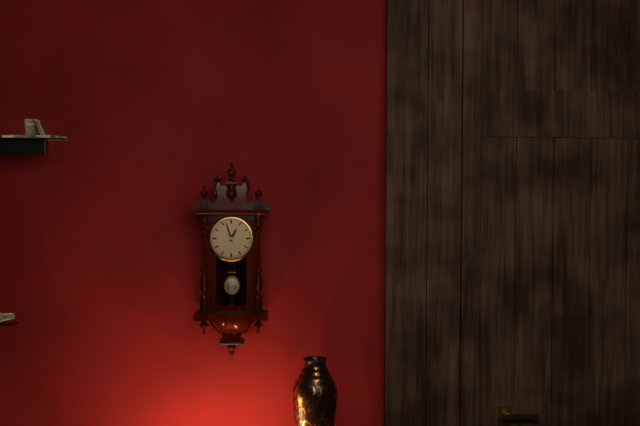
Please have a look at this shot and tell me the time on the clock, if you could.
12:57
